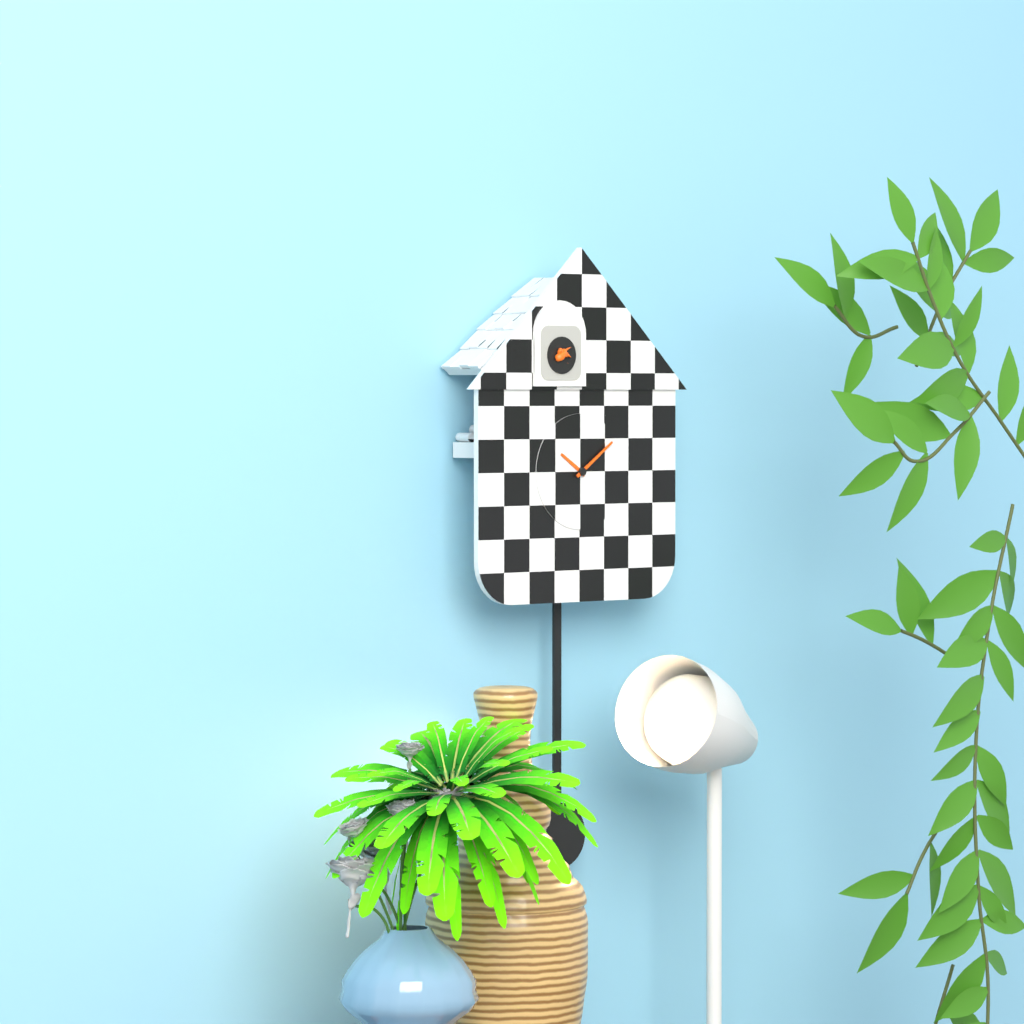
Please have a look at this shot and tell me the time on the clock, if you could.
10:09
